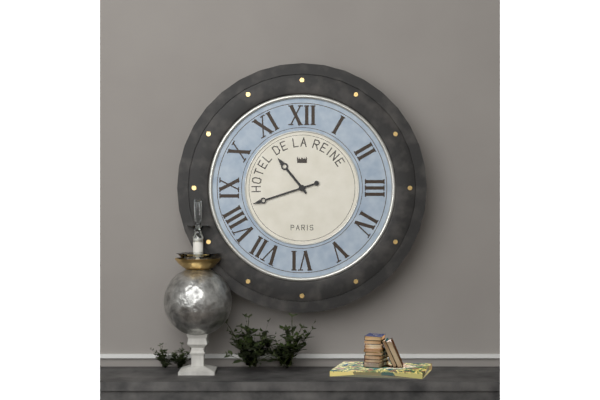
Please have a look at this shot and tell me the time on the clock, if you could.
10:42
